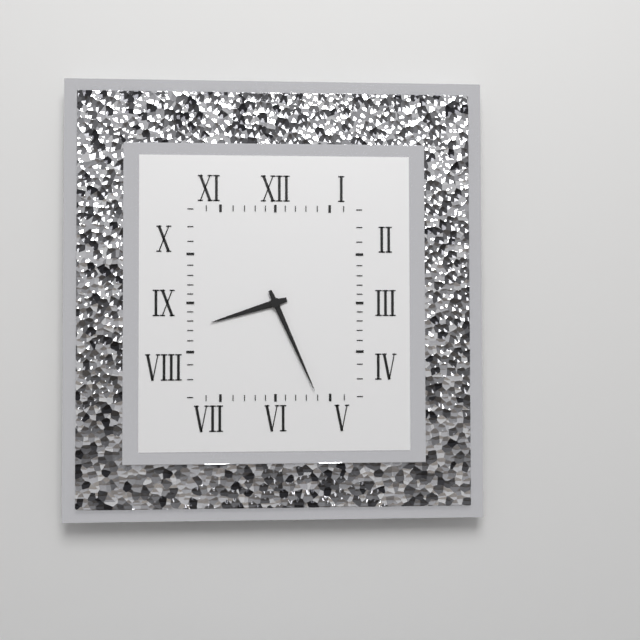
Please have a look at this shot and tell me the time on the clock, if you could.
8:26
